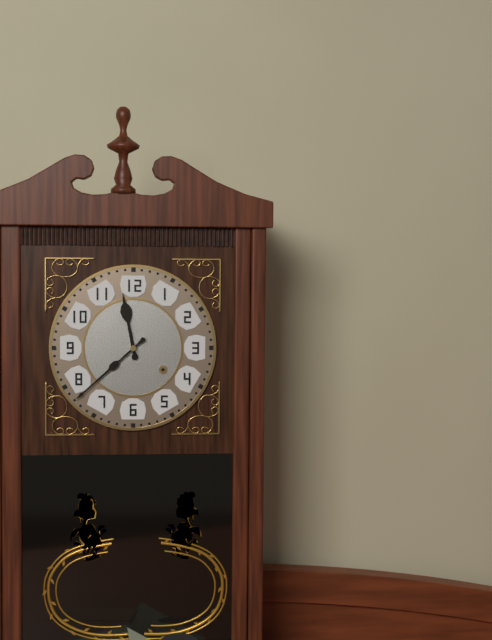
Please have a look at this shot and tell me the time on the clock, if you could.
11:38
